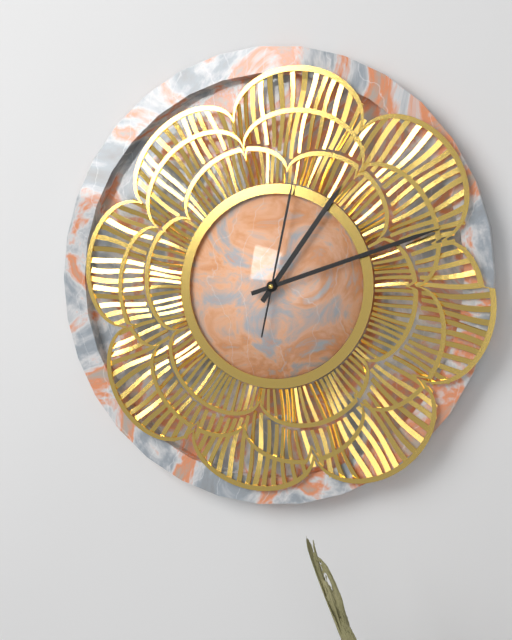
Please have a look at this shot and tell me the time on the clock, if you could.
1:12:02
